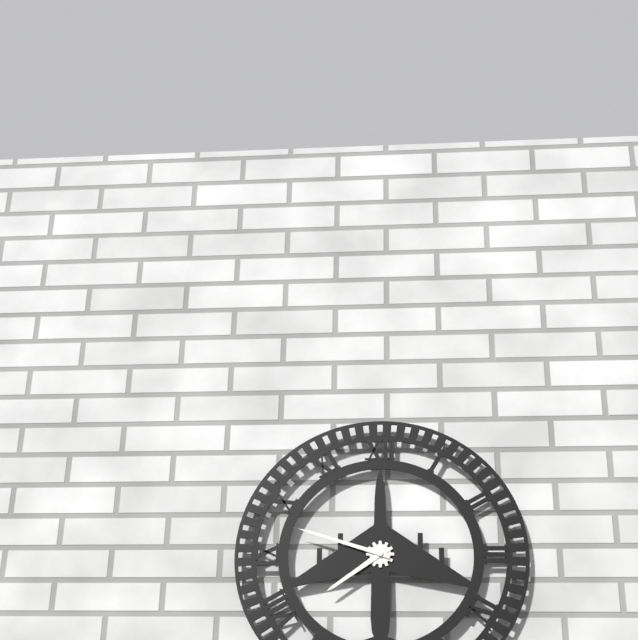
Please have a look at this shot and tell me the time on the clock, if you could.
7:48
